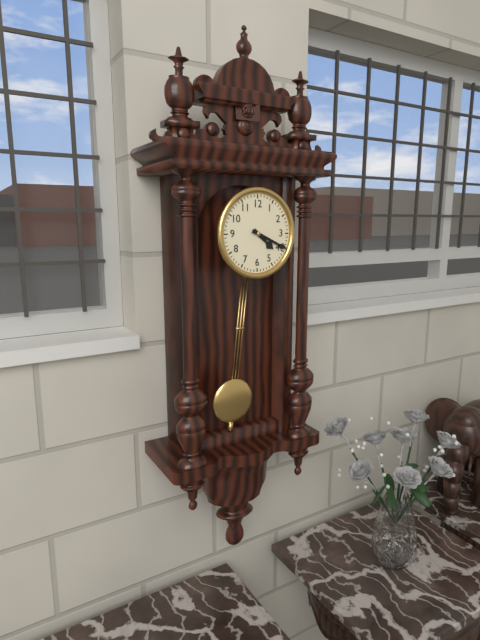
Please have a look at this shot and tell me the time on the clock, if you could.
4:19
